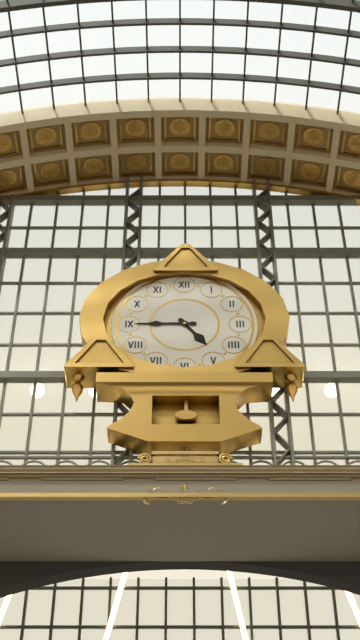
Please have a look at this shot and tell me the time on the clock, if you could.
4:45
